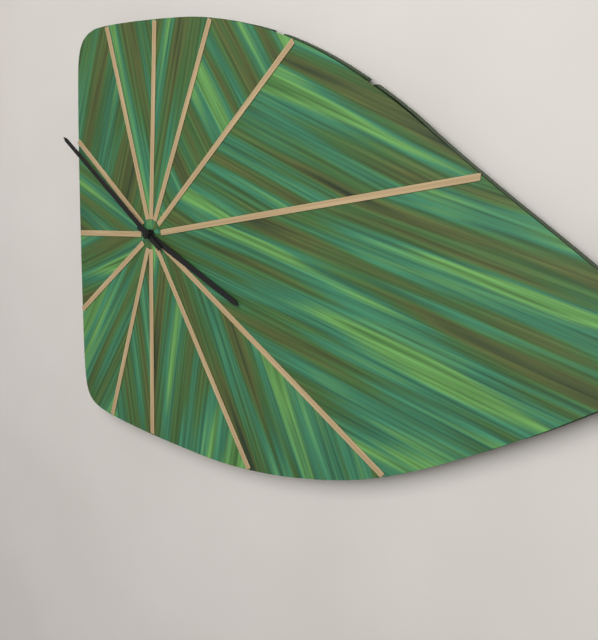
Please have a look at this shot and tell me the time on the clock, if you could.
3:51
